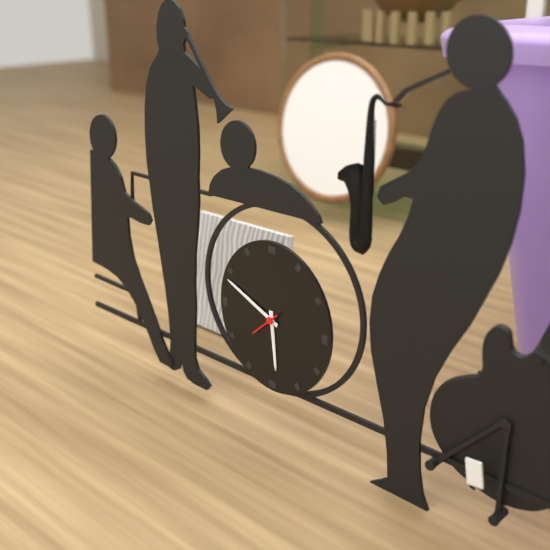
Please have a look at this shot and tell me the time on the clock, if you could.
5:49
